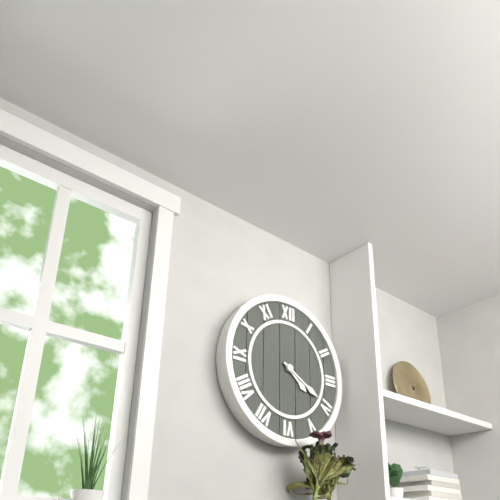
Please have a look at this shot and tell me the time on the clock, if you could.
4:20
